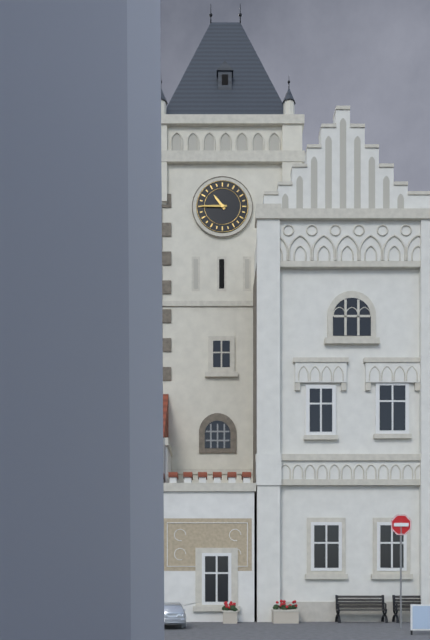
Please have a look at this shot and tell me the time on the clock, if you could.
10:45
